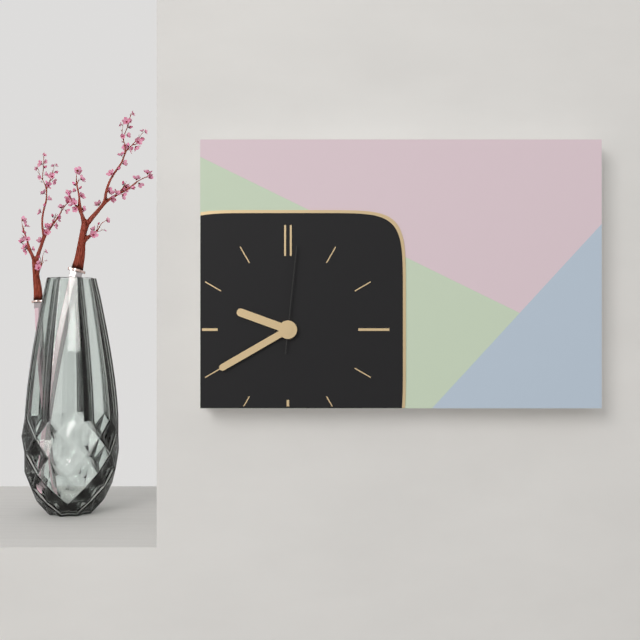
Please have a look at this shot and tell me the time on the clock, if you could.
9:40:01
